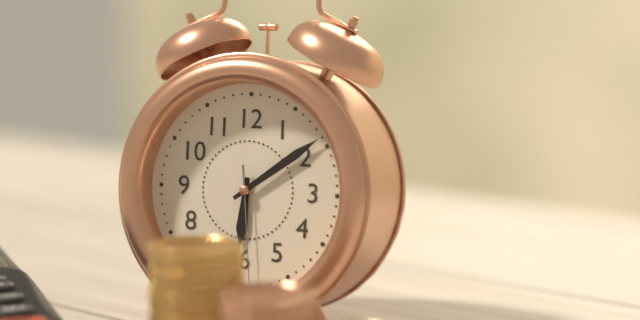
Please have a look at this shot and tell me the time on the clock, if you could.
6:09:29
